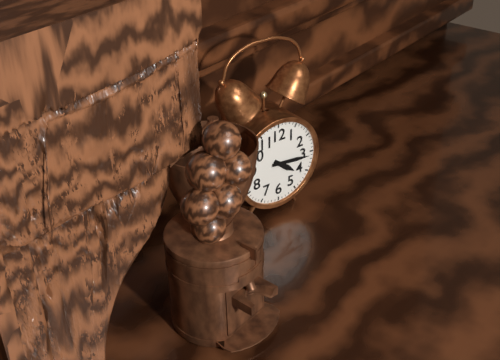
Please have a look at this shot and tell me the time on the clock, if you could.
4:16
